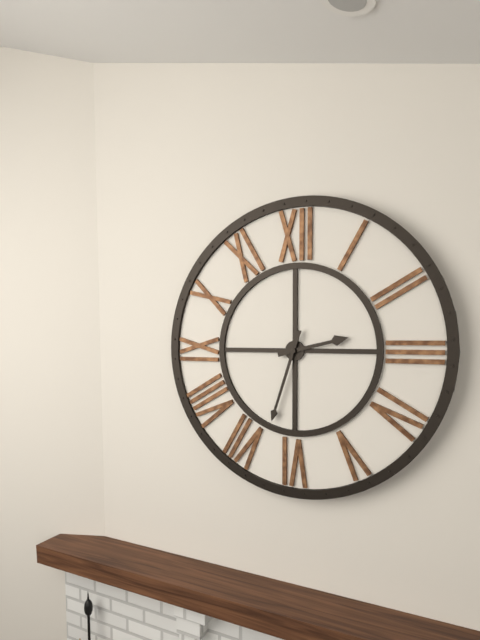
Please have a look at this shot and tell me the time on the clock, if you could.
2:33
